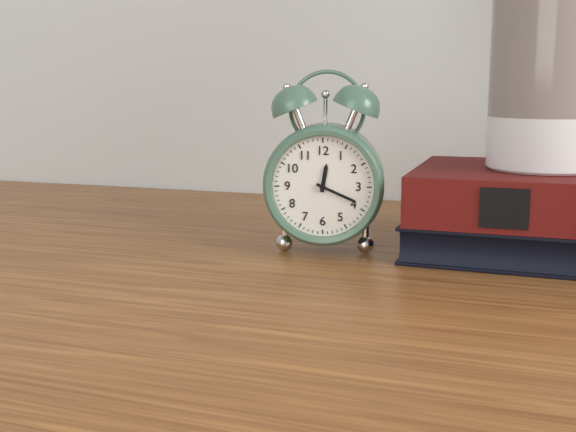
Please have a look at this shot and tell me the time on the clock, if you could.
12:19
